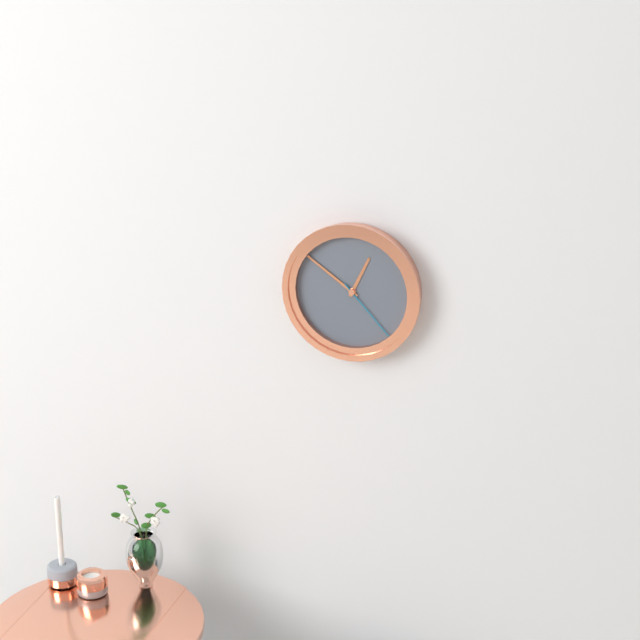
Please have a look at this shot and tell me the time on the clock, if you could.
12:51:23
